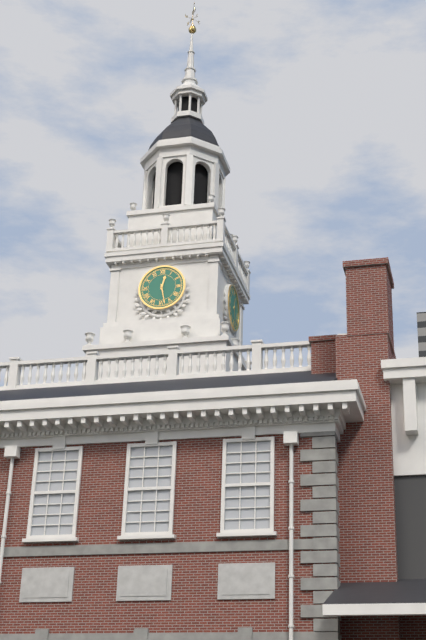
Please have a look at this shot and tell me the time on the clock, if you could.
12:28
